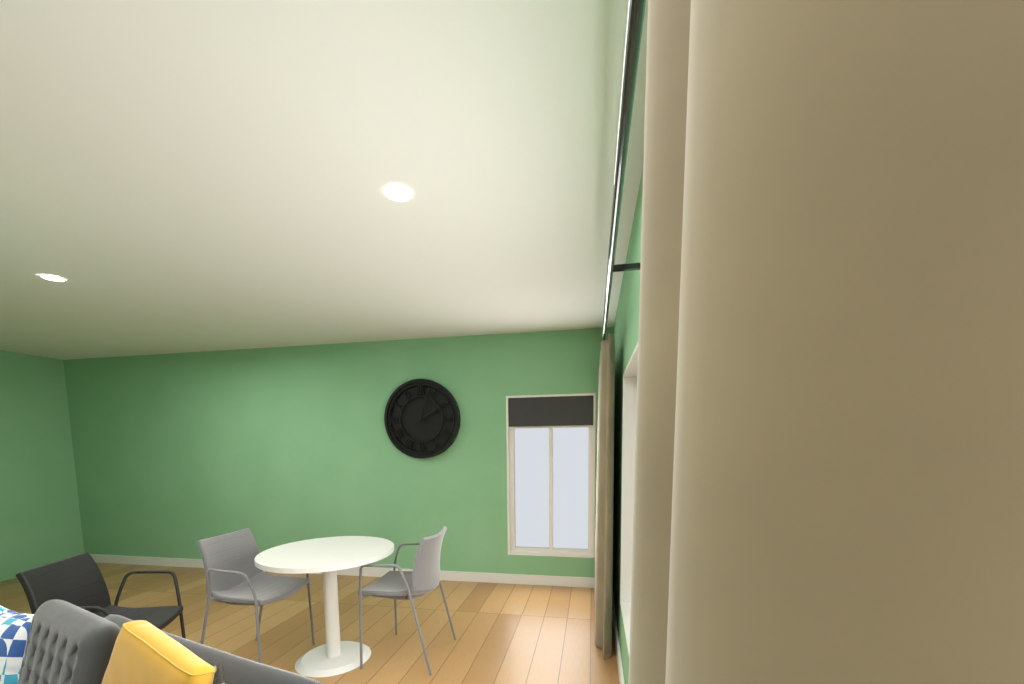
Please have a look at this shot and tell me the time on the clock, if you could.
2:03
